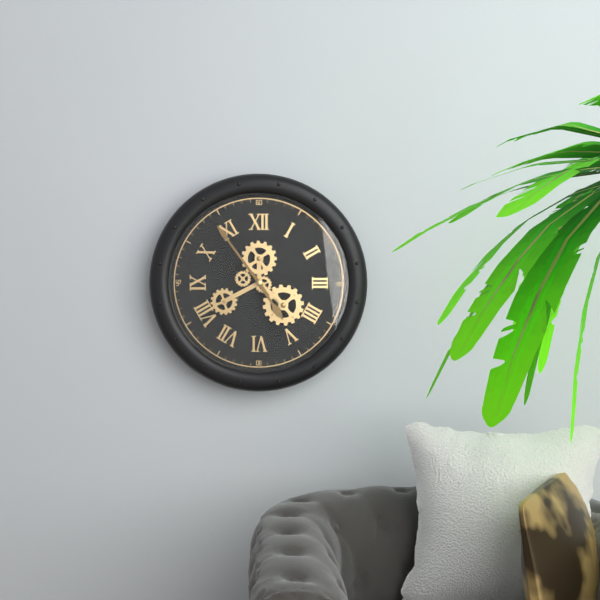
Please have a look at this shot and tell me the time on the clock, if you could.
4:54
